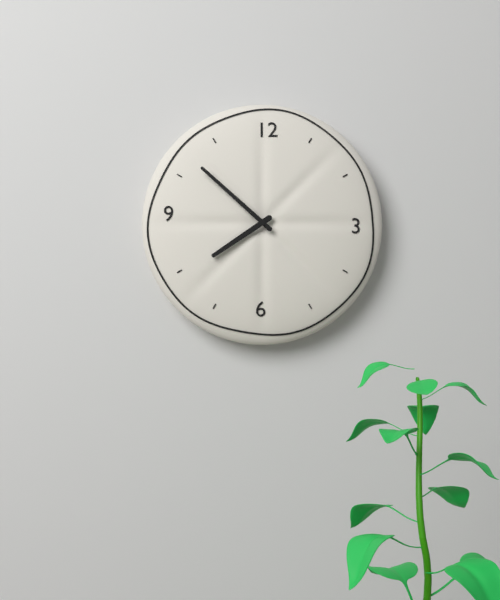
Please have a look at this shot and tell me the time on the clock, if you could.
7:52
